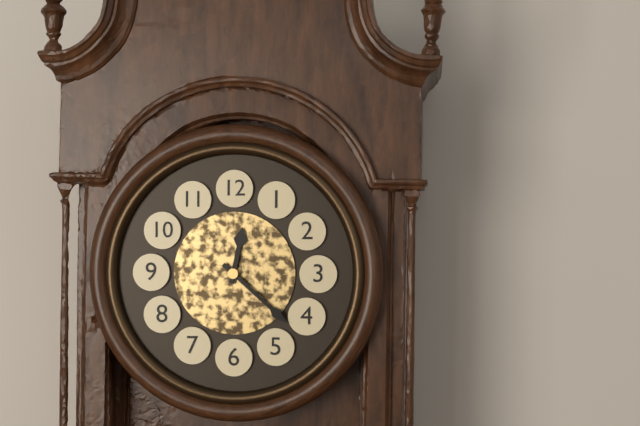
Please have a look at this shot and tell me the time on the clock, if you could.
12:22
